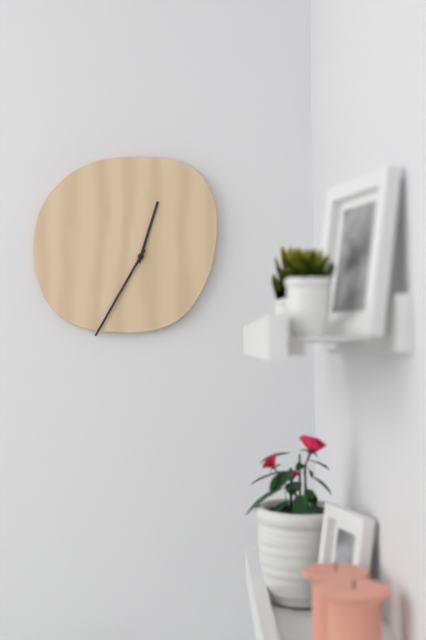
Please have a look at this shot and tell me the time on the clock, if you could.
12:35
